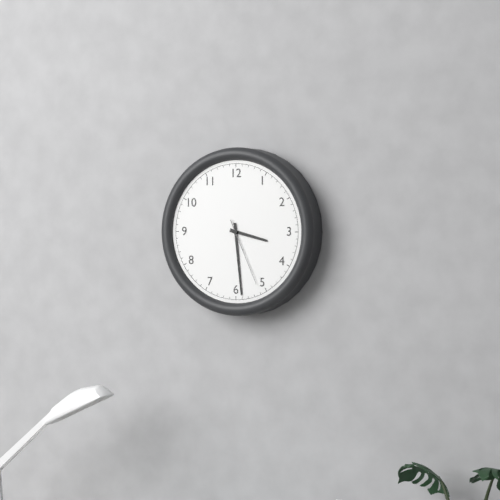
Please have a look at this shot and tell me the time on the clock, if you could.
3:29:26
